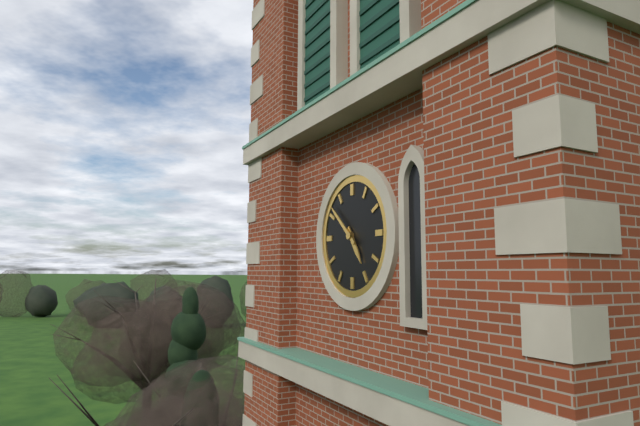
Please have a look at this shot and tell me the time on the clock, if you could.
4:52
